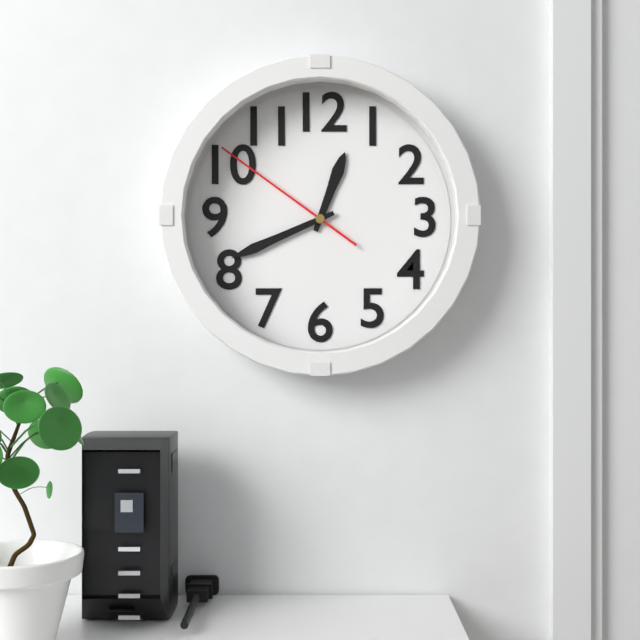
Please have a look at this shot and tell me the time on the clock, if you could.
12:41:51
